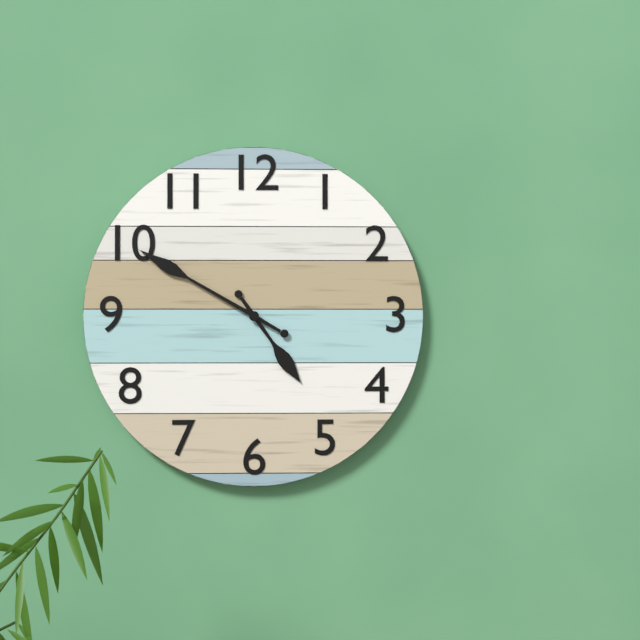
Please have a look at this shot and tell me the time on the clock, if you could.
4:50
